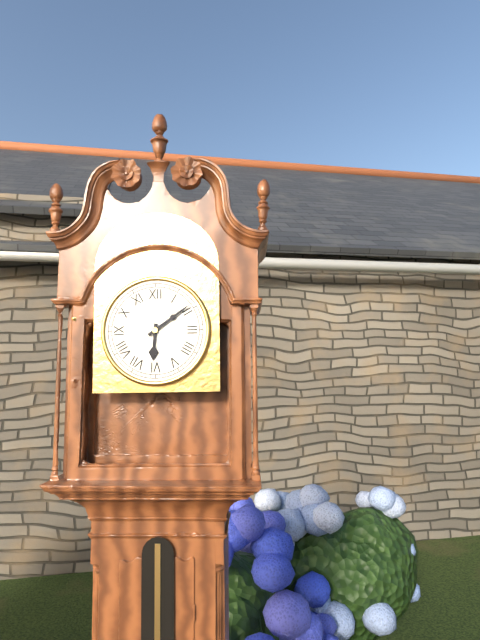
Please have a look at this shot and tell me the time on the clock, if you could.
6:09
